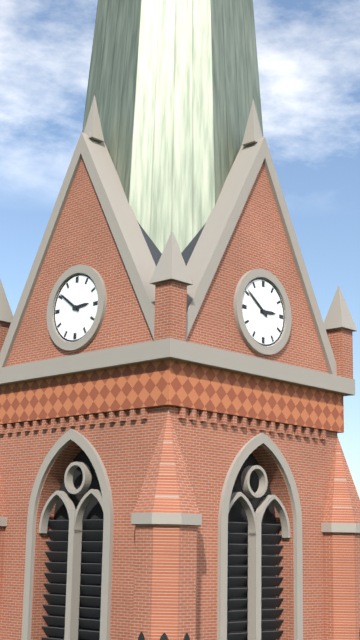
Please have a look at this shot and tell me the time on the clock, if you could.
2:51
